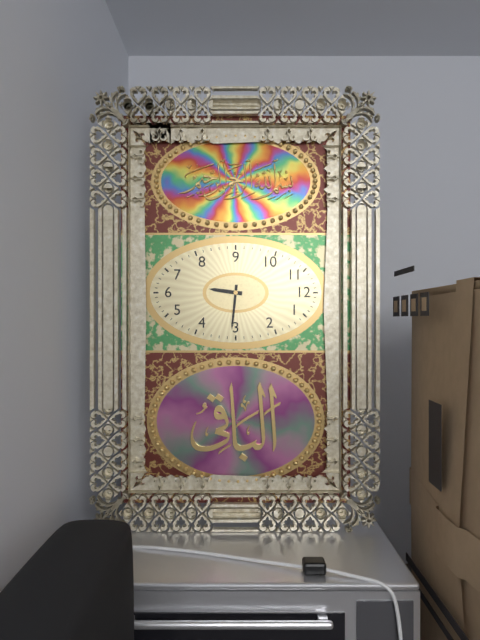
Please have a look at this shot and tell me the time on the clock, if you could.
6:16
